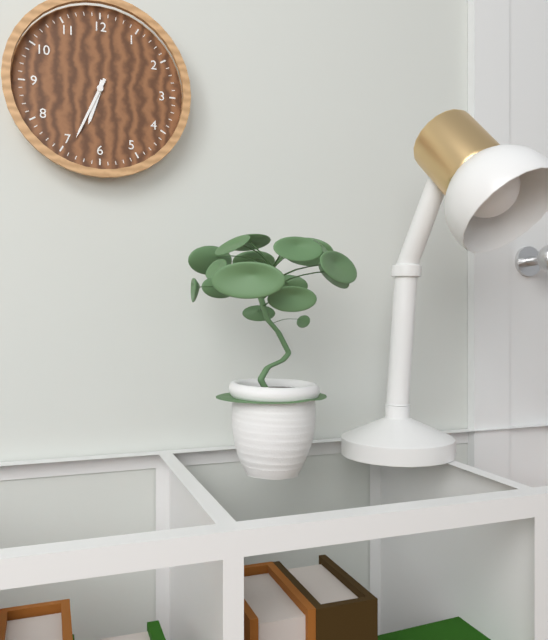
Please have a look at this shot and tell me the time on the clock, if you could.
6:34
